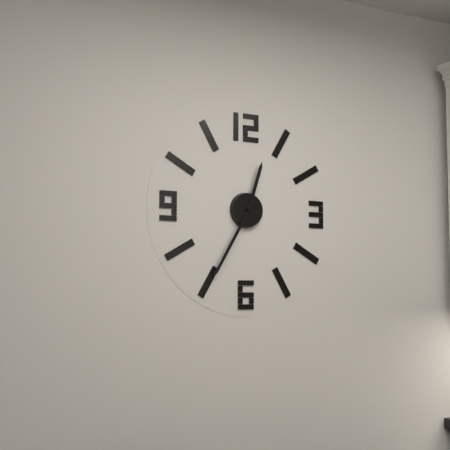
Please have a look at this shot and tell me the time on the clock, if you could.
12:35
